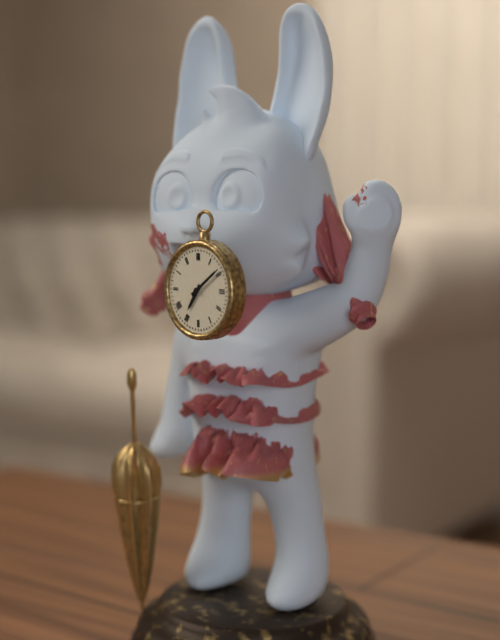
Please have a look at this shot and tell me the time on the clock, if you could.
7:09
